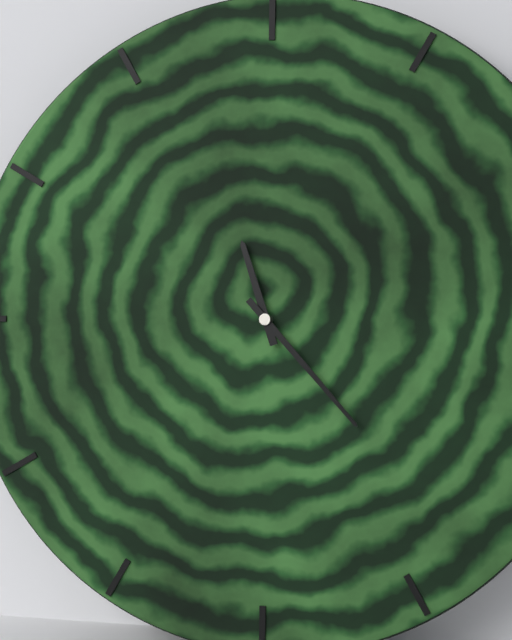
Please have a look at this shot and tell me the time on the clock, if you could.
11:23
